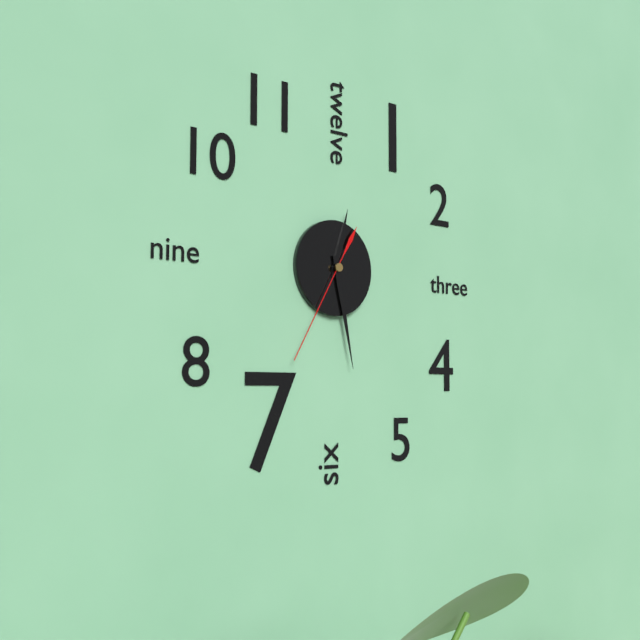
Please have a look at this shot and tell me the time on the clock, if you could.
12:28:35
